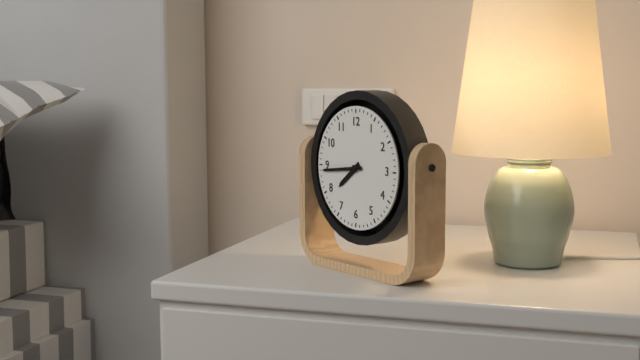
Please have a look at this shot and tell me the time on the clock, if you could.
7:44
